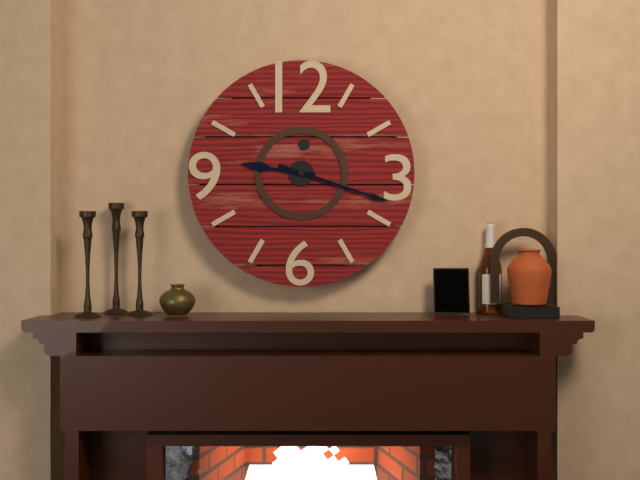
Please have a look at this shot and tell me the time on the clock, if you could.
9:18
